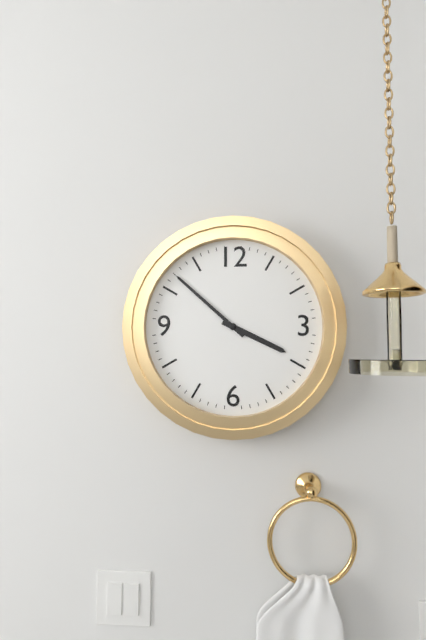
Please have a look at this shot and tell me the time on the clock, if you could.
3:52
